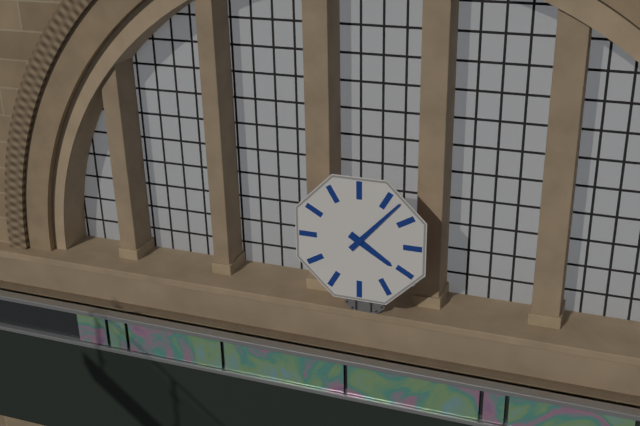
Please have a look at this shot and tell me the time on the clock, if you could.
4:07
